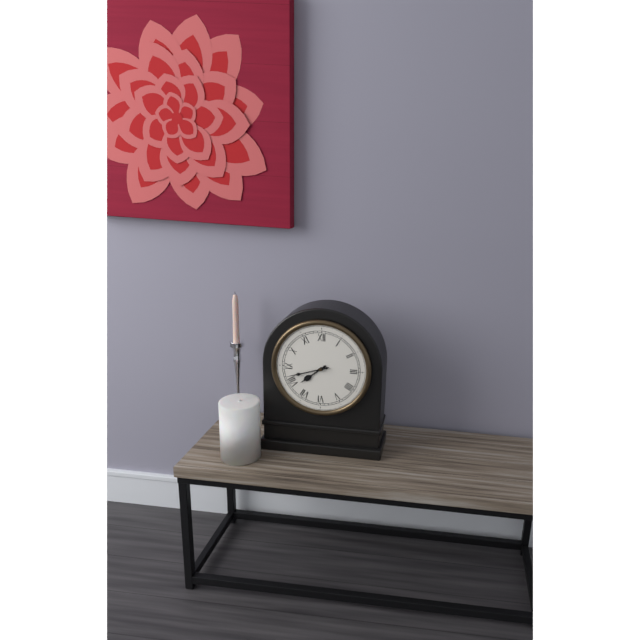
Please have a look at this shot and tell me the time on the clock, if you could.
7:42
